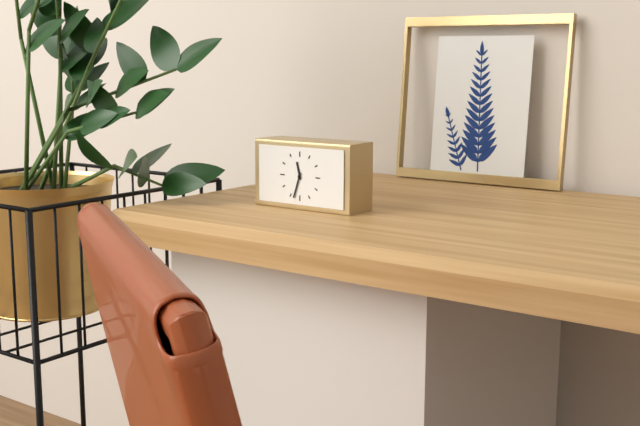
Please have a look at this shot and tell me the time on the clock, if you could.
11:33
